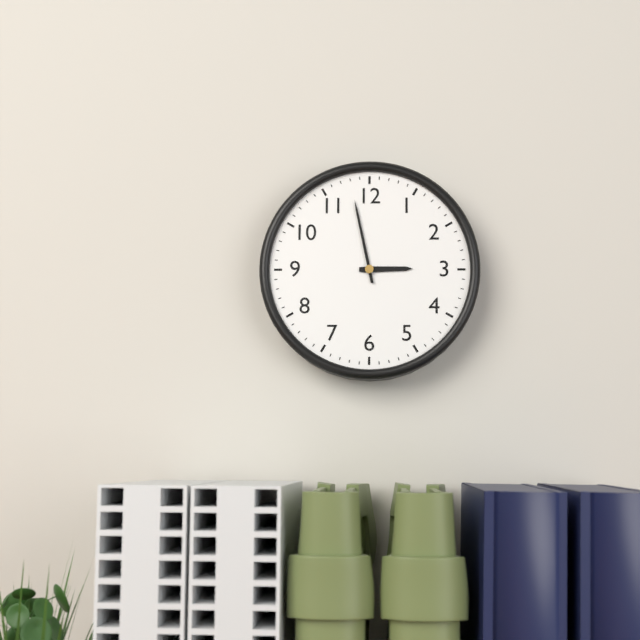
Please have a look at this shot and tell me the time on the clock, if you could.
2:58
